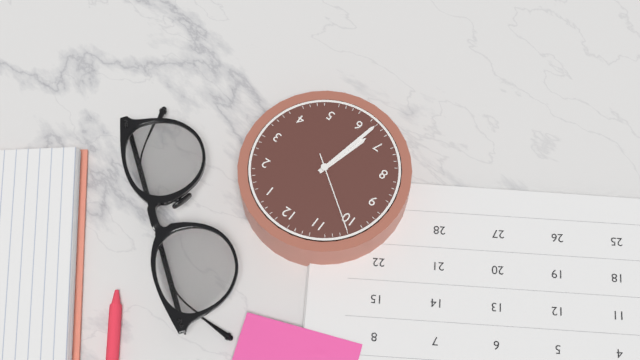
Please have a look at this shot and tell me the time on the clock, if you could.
6:32:51
